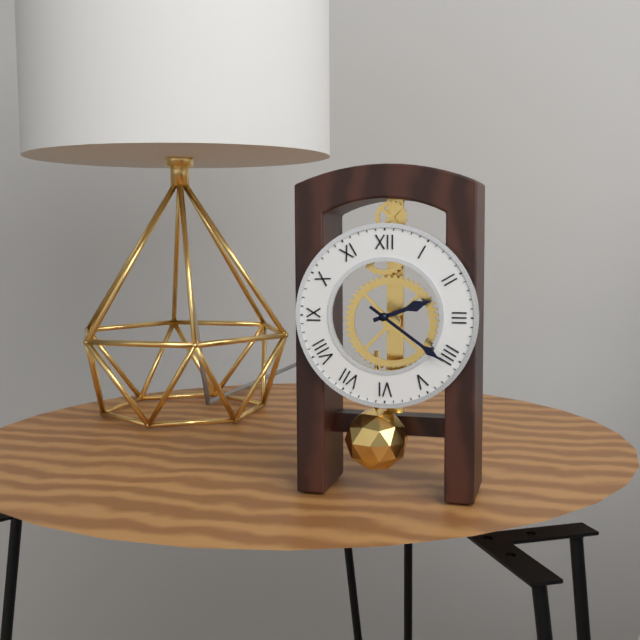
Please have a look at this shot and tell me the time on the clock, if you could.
2:21
